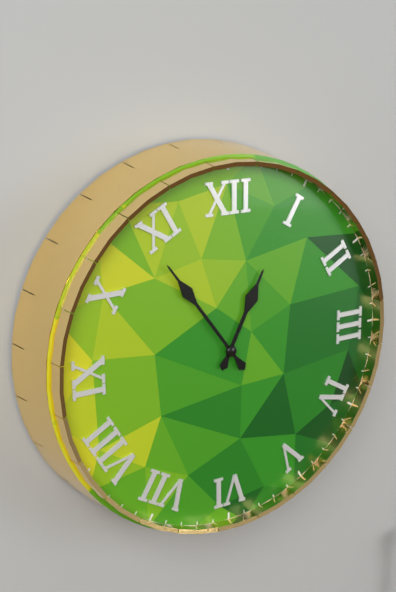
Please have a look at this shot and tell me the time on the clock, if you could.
12:54
